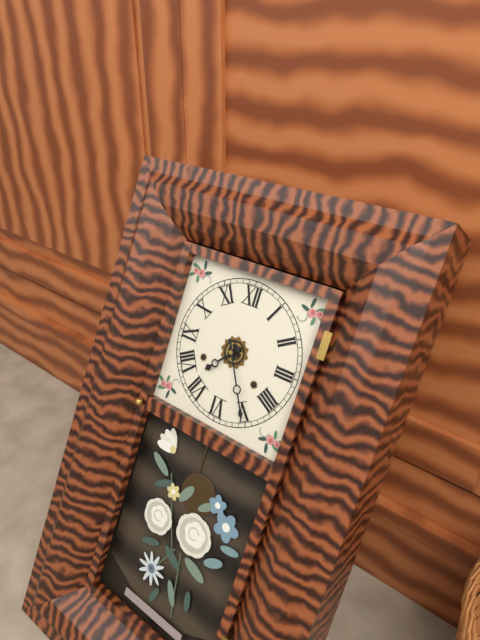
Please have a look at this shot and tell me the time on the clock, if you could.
7:25
